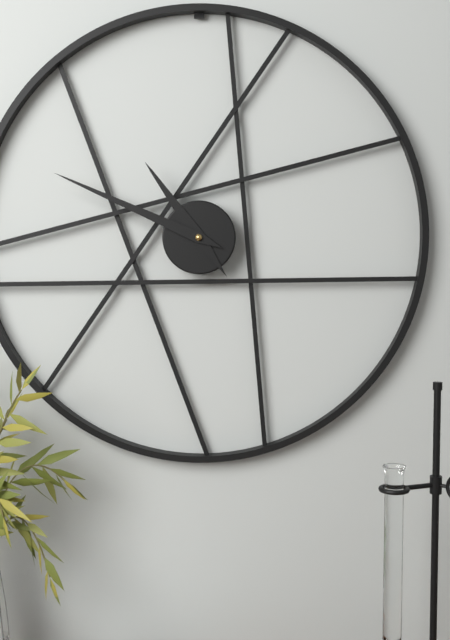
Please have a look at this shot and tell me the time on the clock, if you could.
10:49
